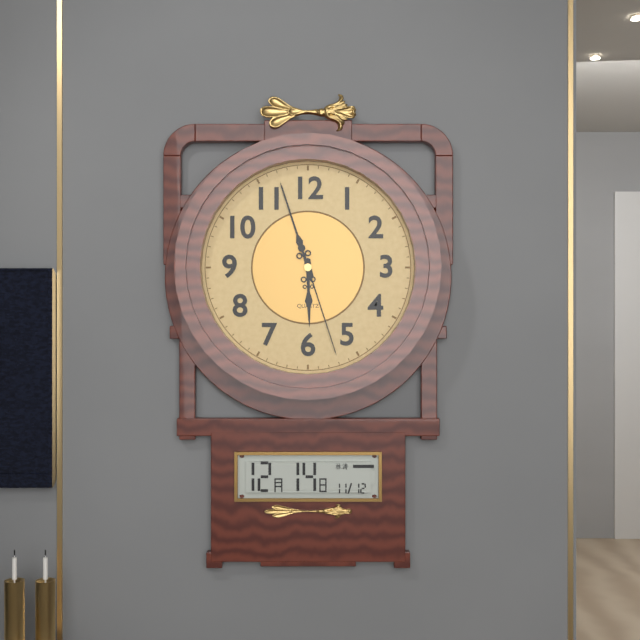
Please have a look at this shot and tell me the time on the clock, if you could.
5:57:27
